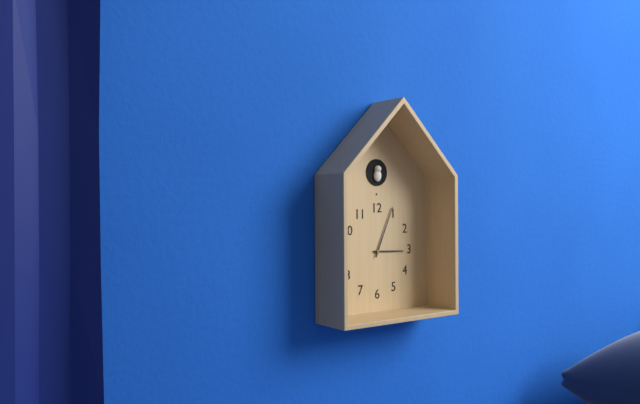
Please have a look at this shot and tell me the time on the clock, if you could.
3:04
